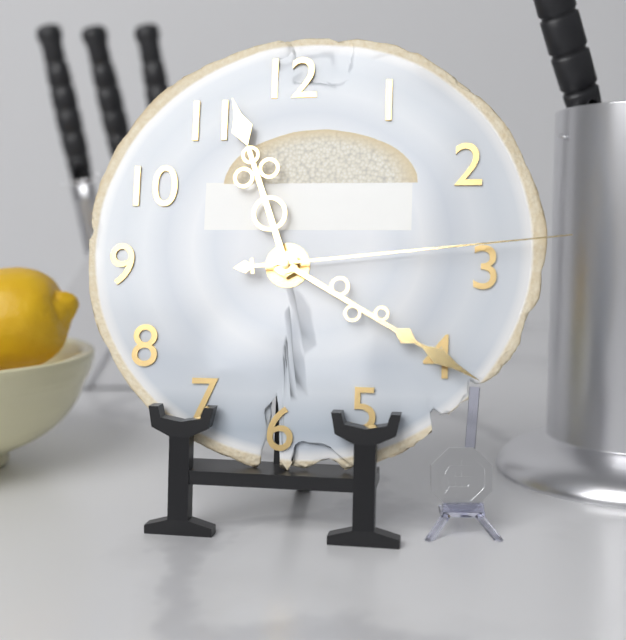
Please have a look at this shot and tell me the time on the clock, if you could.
11:20:14
